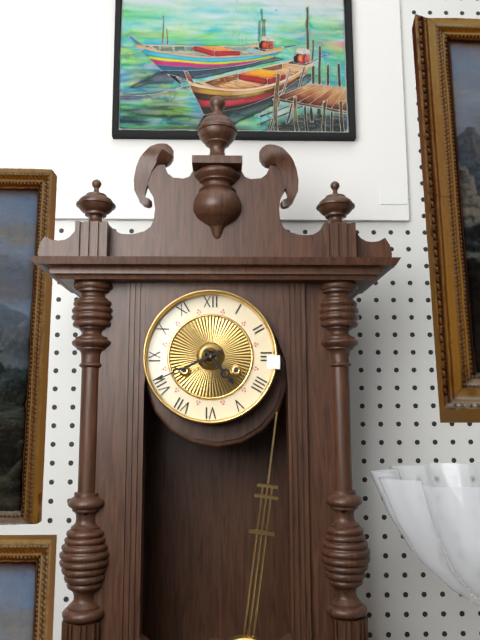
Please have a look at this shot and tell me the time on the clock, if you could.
4:41
